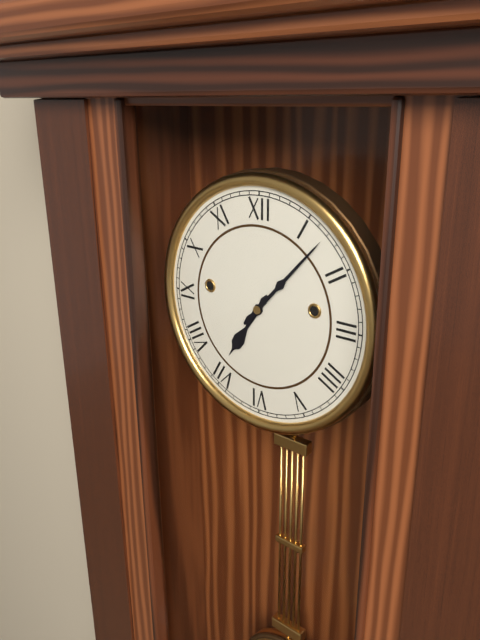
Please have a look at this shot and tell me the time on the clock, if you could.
7:07
